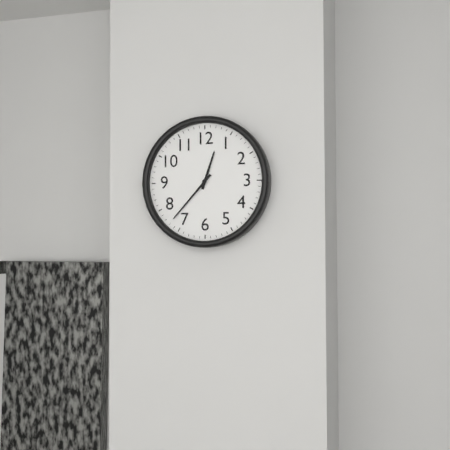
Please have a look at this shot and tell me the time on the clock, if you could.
12:37
